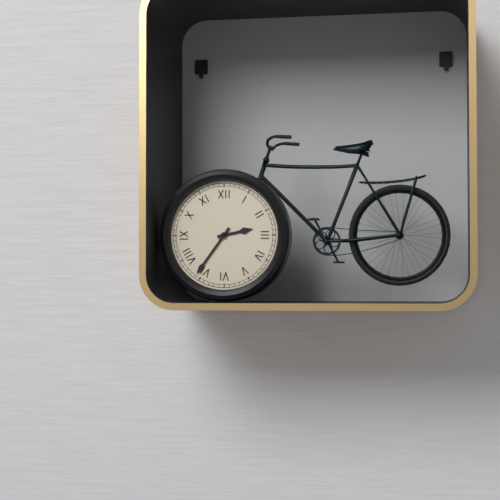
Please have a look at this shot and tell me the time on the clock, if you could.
2:36
